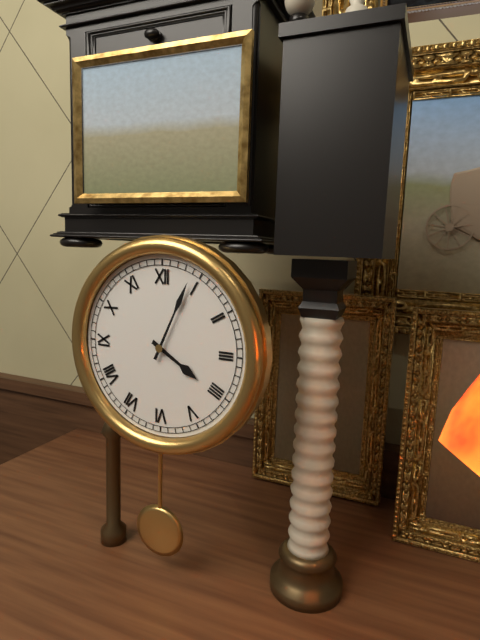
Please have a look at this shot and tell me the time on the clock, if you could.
4:04
